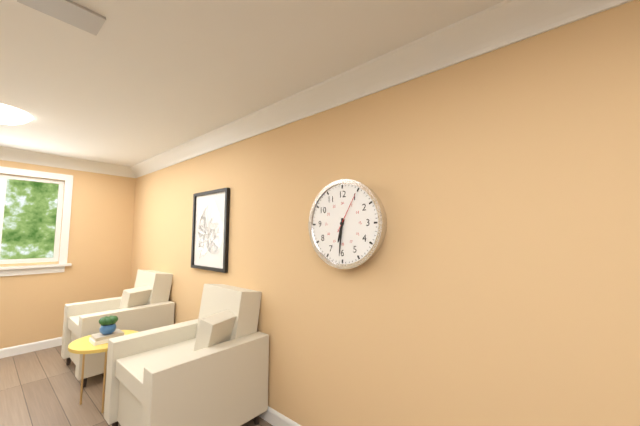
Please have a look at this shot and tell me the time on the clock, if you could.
6:31
